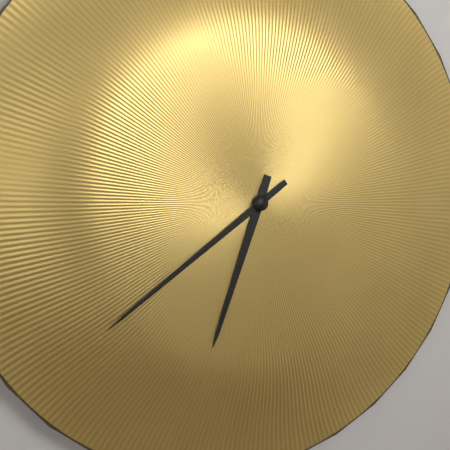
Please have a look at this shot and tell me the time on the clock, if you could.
6:39
